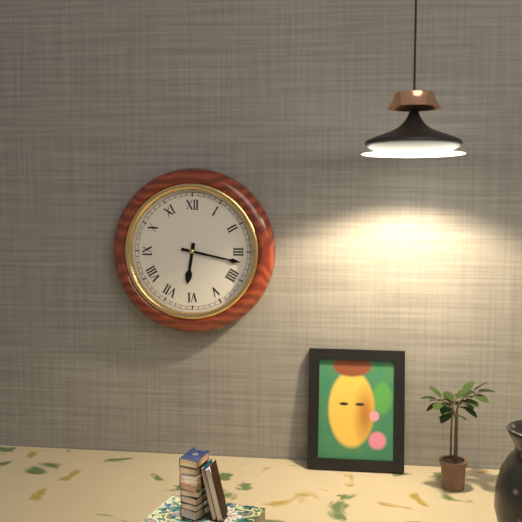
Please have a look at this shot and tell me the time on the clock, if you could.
6:17
